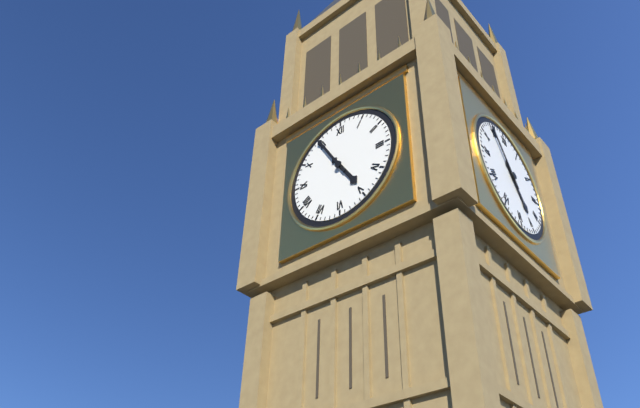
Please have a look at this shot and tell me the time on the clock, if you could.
4:55
